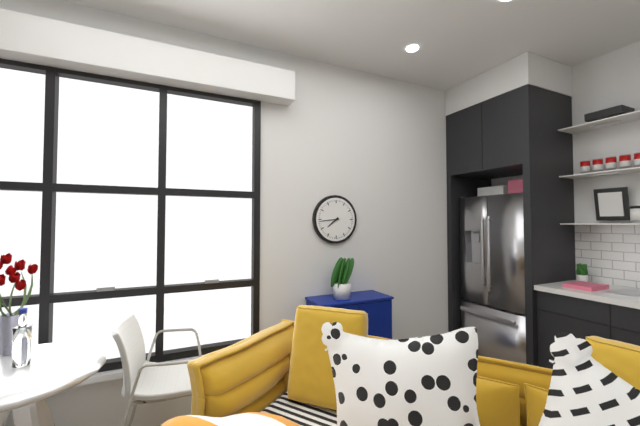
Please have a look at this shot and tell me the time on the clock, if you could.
7:44
